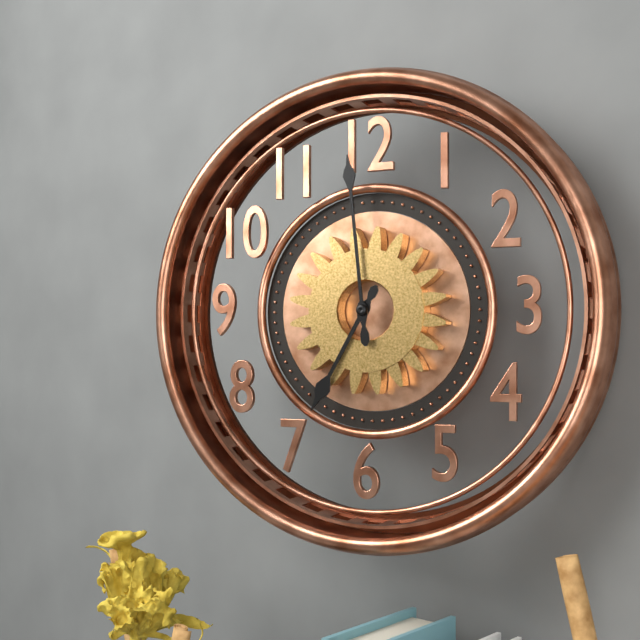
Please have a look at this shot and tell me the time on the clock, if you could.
6:59
